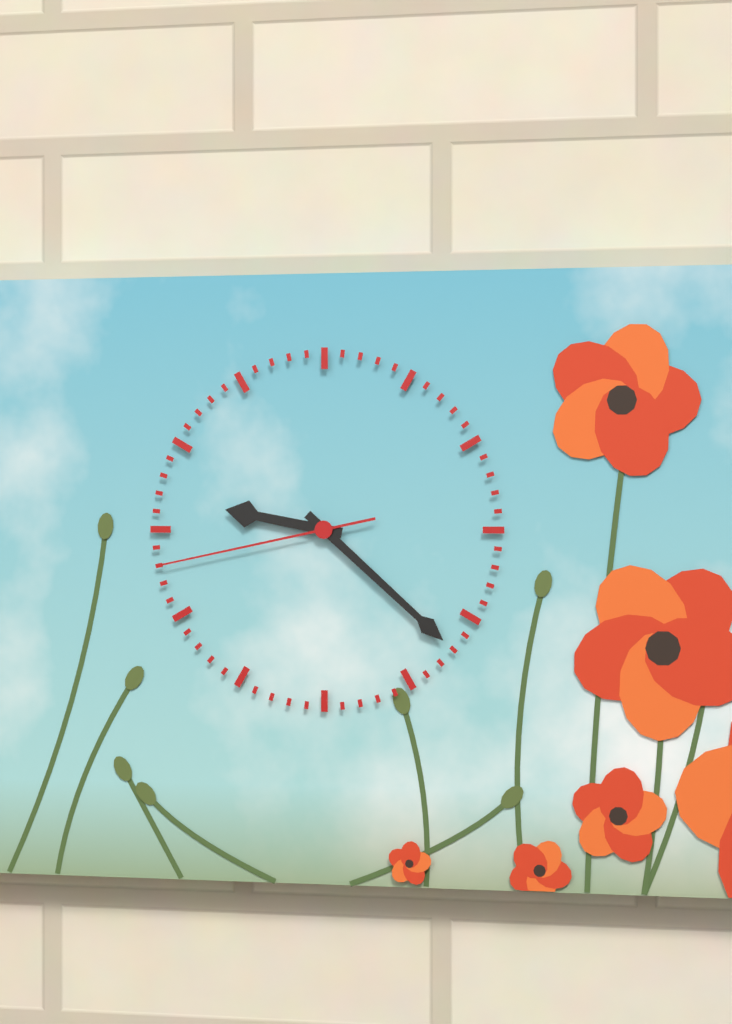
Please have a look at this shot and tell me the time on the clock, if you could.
9:22:43
